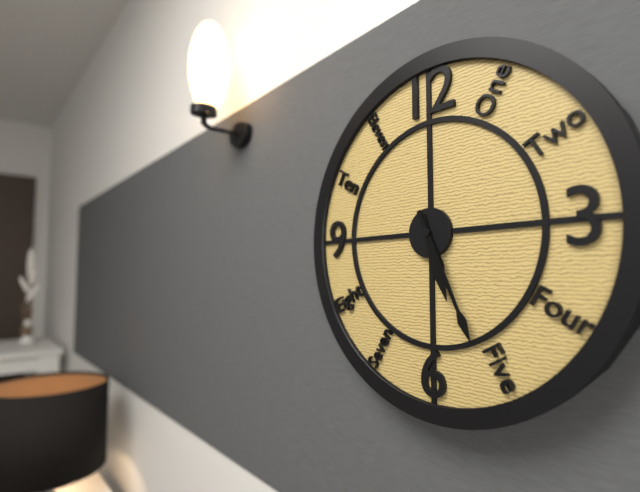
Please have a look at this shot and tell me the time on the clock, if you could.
5:26
